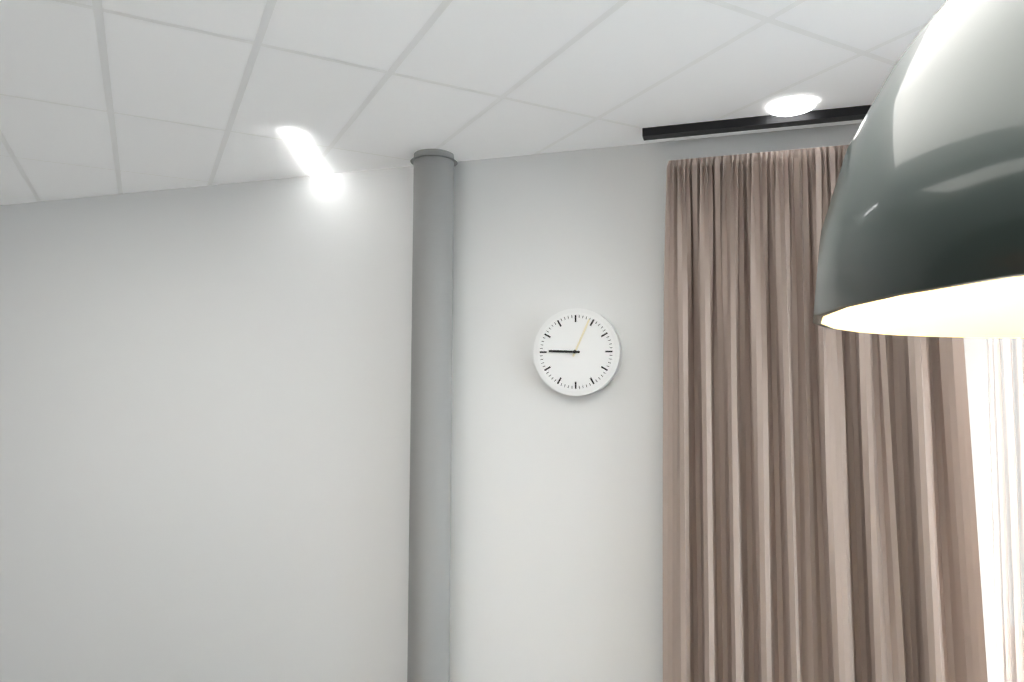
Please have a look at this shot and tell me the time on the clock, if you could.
9:04
